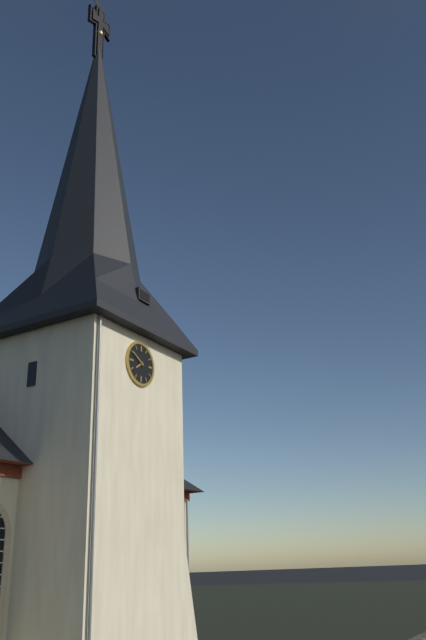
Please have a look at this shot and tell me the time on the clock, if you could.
7:50
